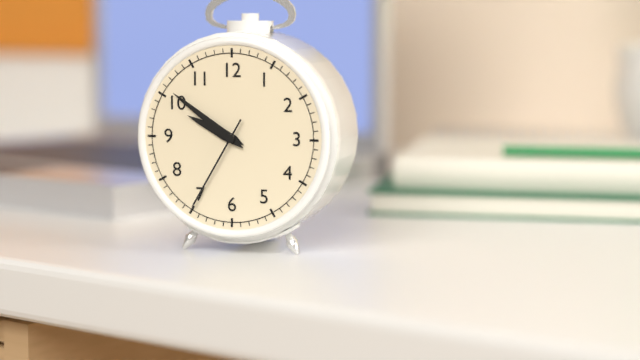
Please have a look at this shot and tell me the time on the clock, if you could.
9:51:35
